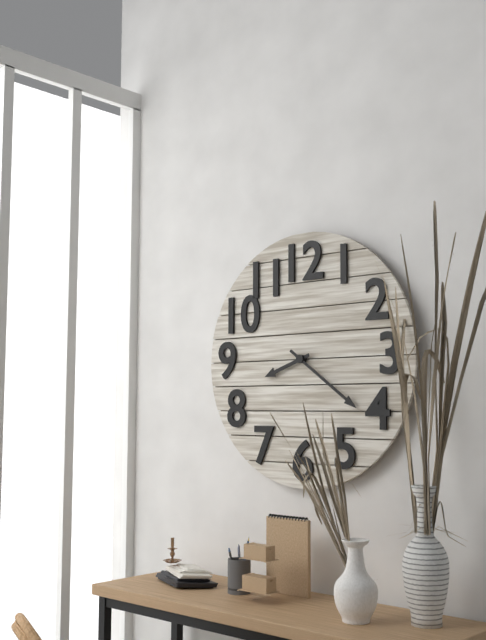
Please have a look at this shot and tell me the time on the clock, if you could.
8:21
